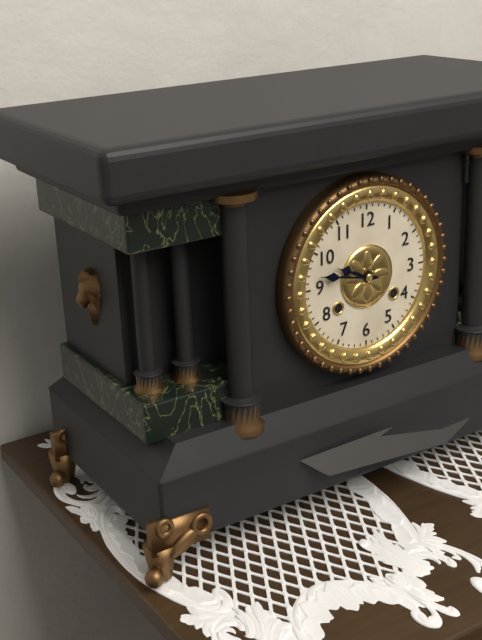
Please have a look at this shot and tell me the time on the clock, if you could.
9:47
